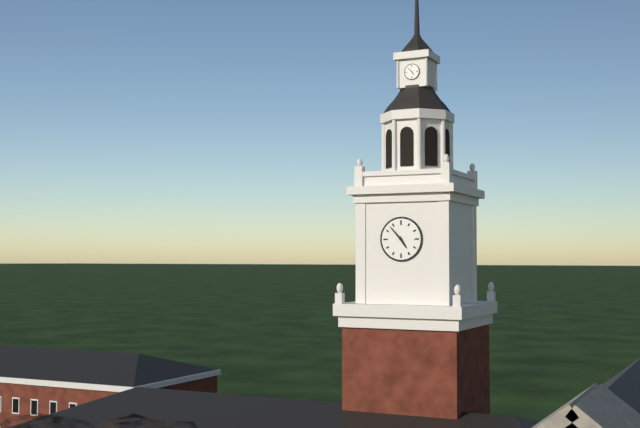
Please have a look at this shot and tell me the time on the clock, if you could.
4:53
